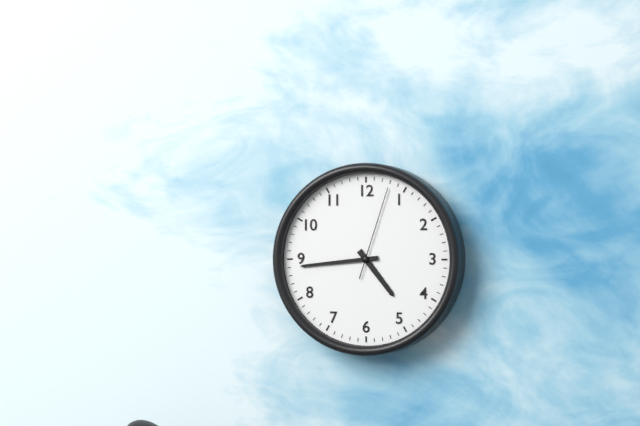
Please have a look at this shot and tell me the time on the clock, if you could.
4:44:03
